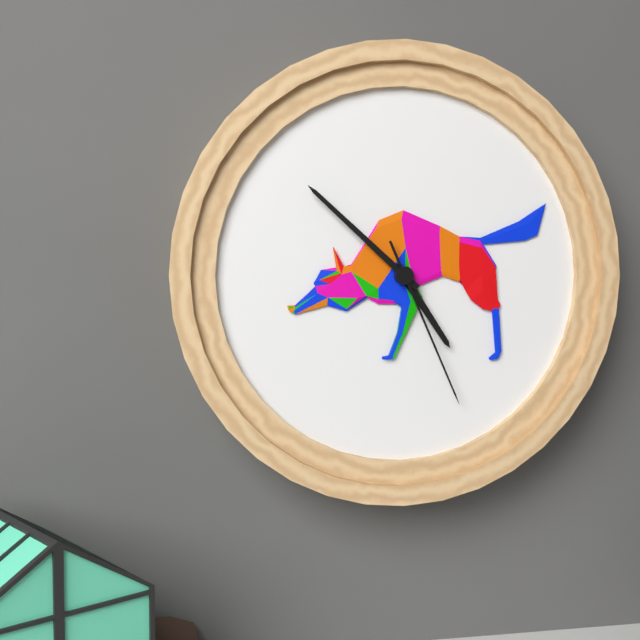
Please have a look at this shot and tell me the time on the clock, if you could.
4:52:26
